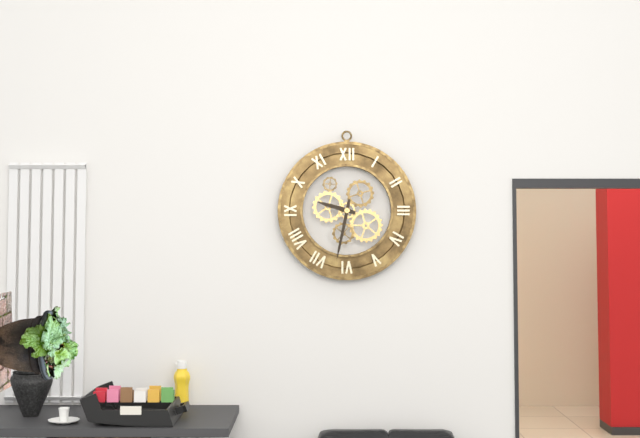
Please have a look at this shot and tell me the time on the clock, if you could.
9:32
